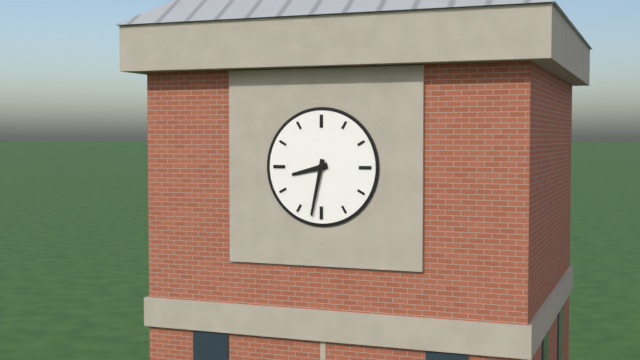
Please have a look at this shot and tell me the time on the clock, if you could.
8:32
